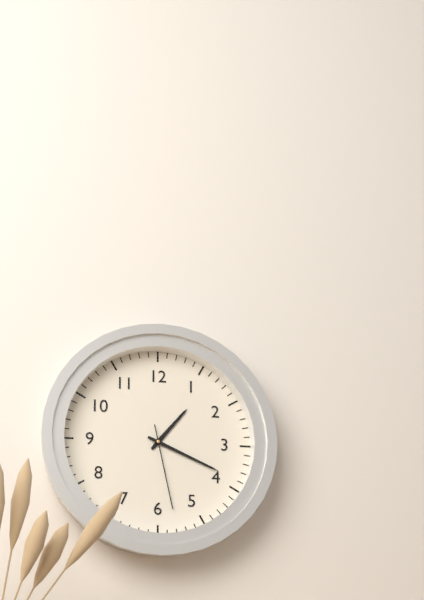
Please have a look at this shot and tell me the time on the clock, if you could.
1:19:28
